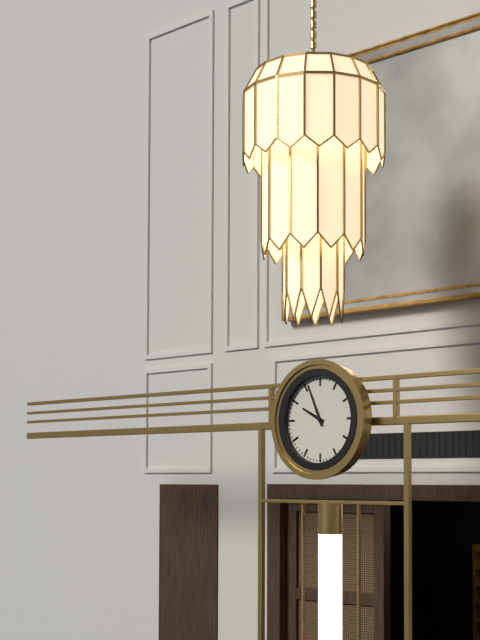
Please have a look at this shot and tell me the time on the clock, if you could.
9:56
